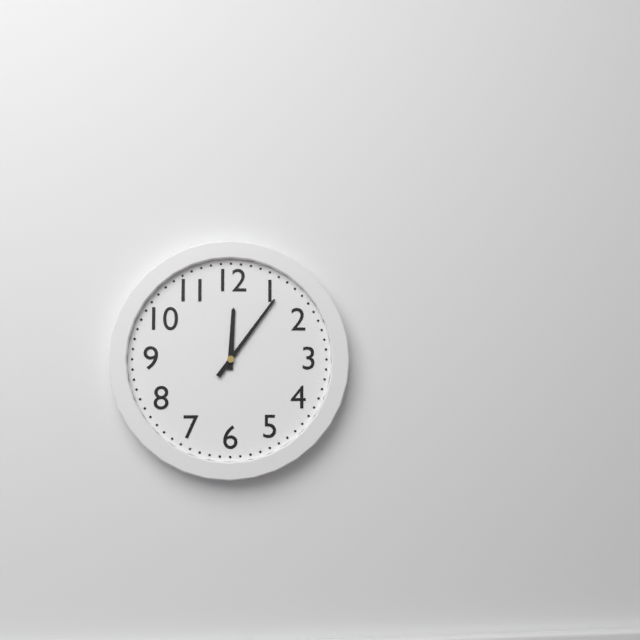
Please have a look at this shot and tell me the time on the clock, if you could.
12:06
